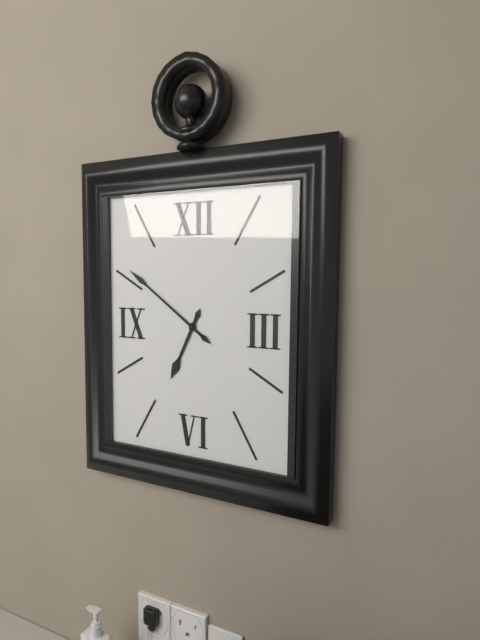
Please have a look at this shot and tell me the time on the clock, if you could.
6:51
